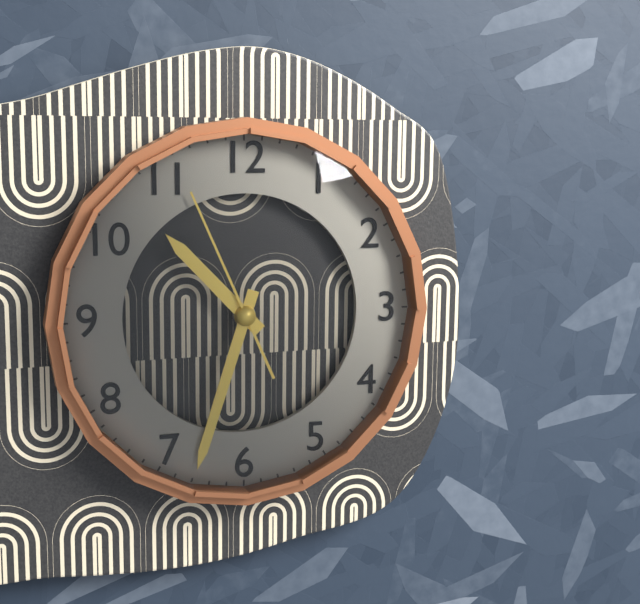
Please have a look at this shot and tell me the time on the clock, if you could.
10:33:56
